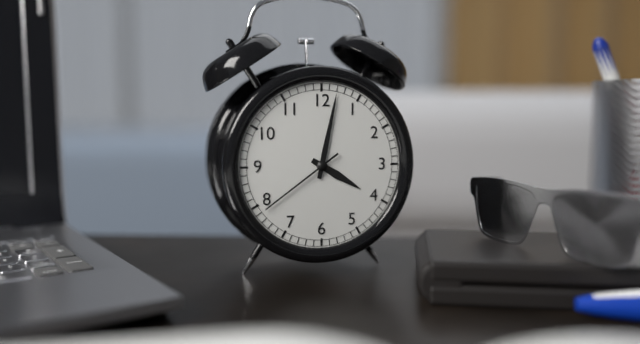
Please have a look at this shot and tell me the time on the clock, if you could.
4:02:39
